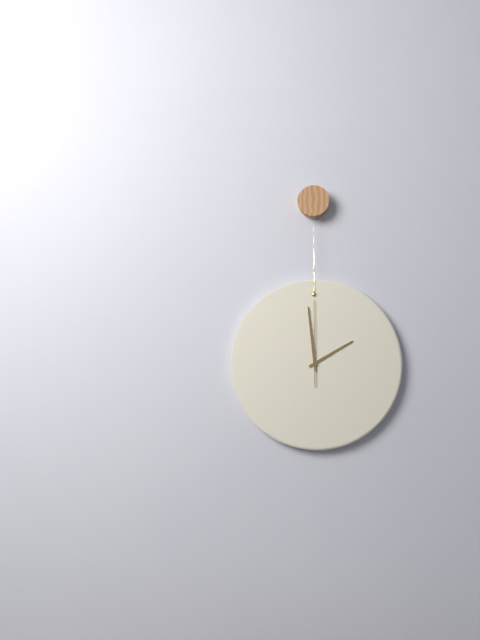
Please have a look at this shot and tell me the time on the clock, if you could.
1:59:00
